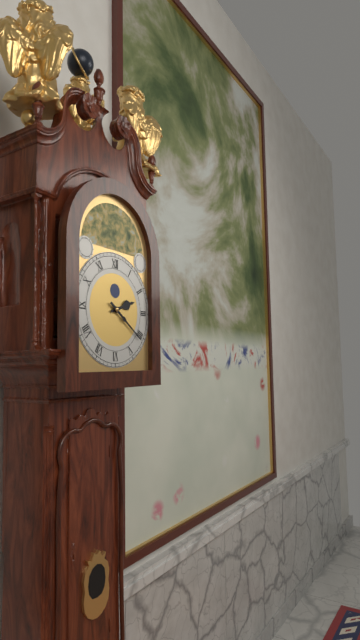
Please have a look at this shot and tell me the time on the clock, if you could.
2:21
